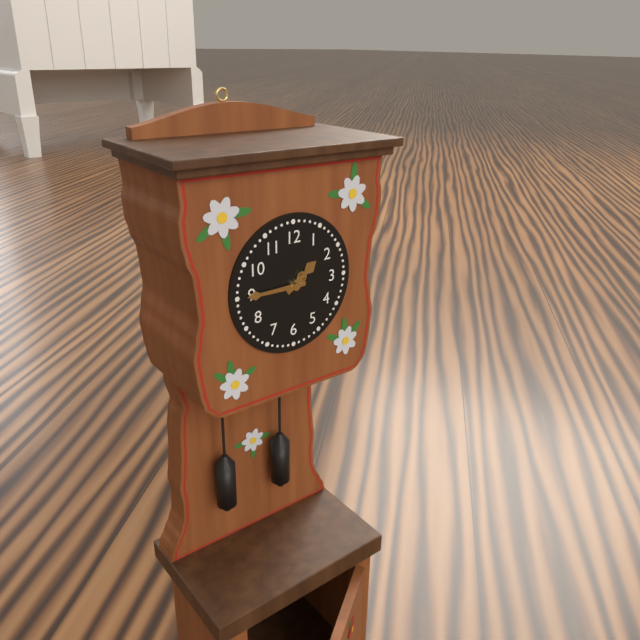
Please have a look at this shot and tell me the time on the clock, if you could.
1:45
